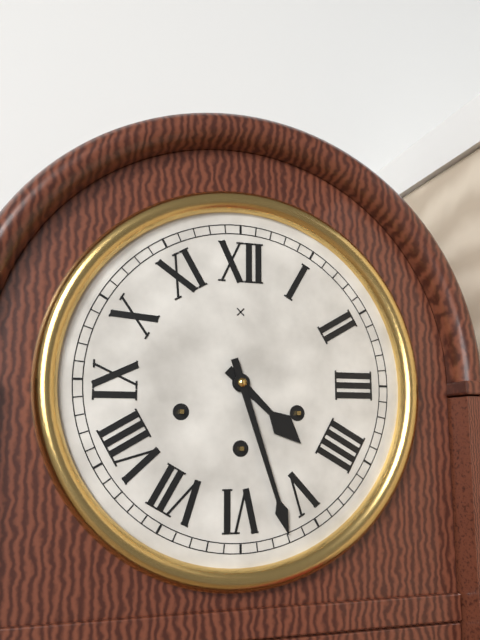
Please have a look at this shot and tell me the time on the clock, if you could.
4:27
